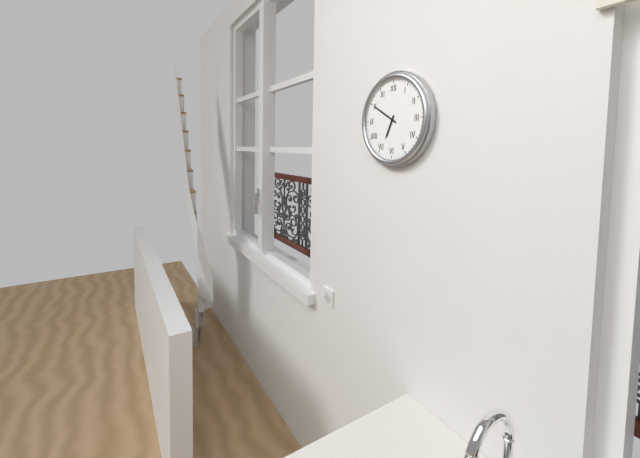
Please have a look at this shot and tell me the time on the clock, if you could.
6:50
